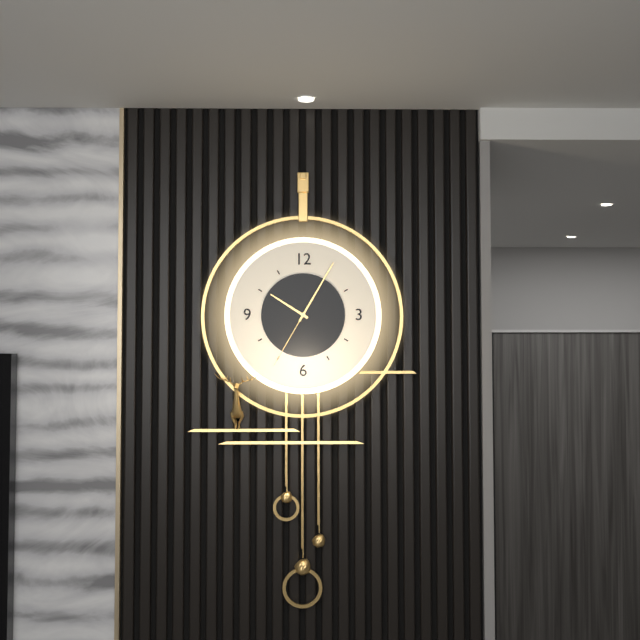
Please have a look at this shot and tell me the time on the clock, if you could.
10:05:35
